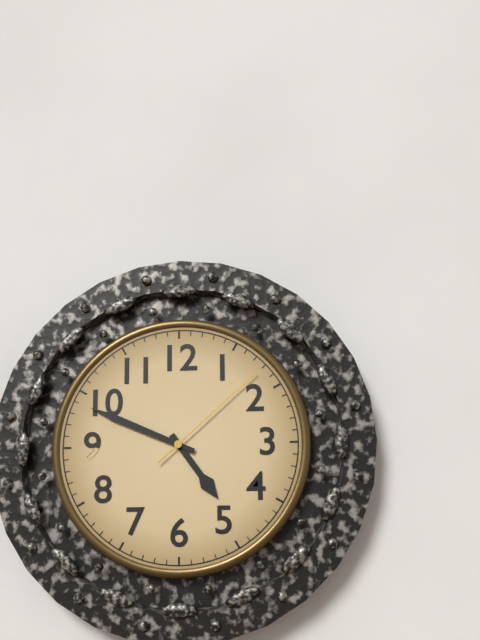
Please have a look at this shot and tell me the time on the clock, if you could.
4:49:08
